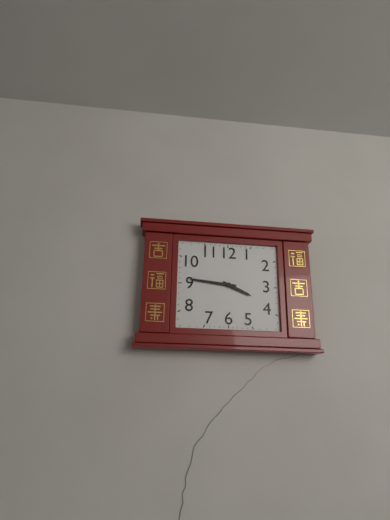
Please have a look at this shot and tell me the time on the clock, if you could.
3:46
